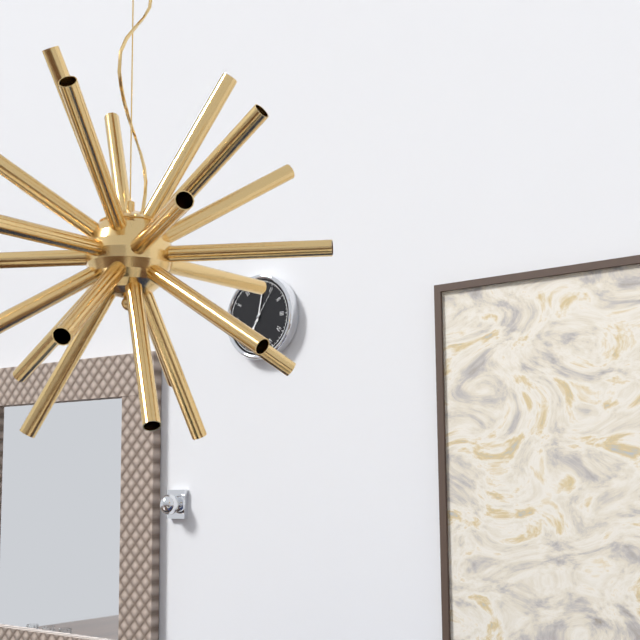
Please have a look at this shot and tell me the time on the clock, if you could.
7:02
